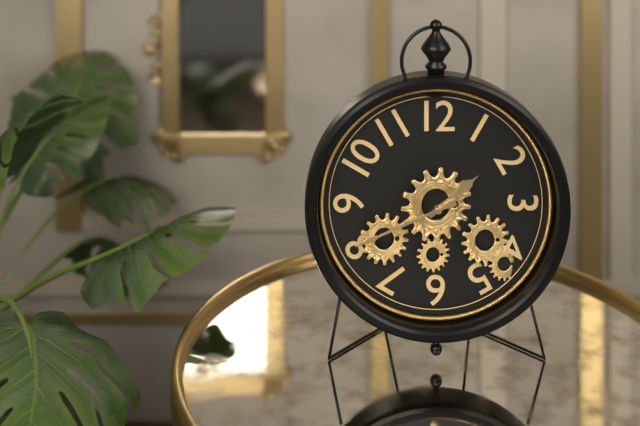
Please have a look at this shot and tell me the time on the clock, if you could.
1:41
